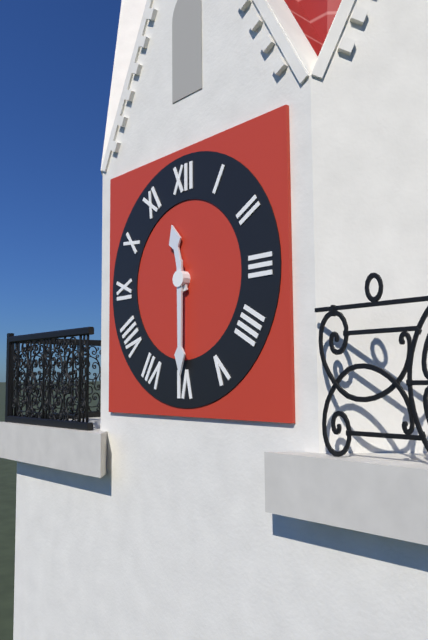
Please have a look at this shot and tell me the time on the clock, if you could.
11:30
